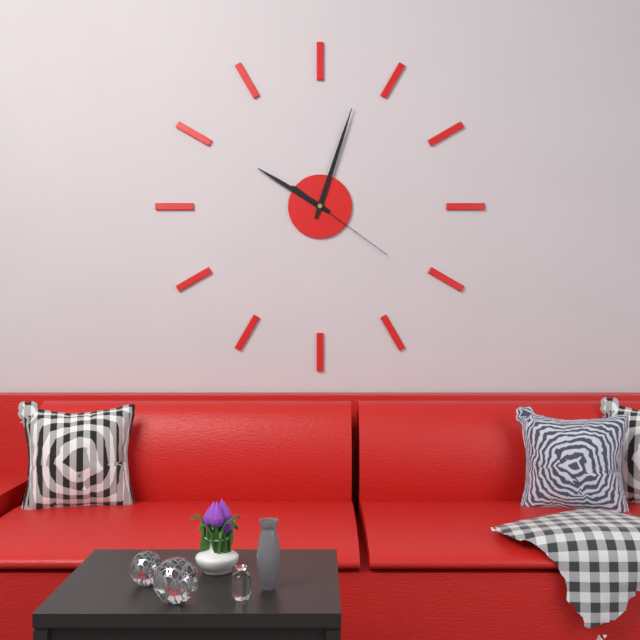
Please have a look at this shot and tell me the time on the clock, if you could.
10:03:21
